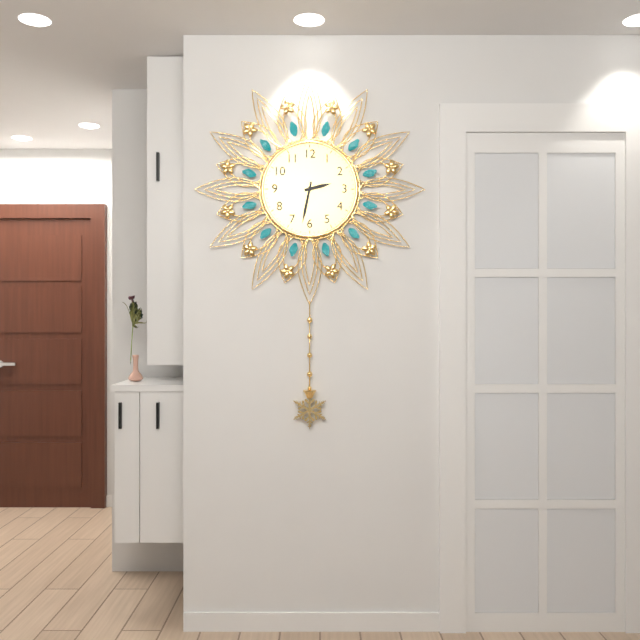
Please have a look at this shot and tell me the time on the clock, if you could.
2:32
